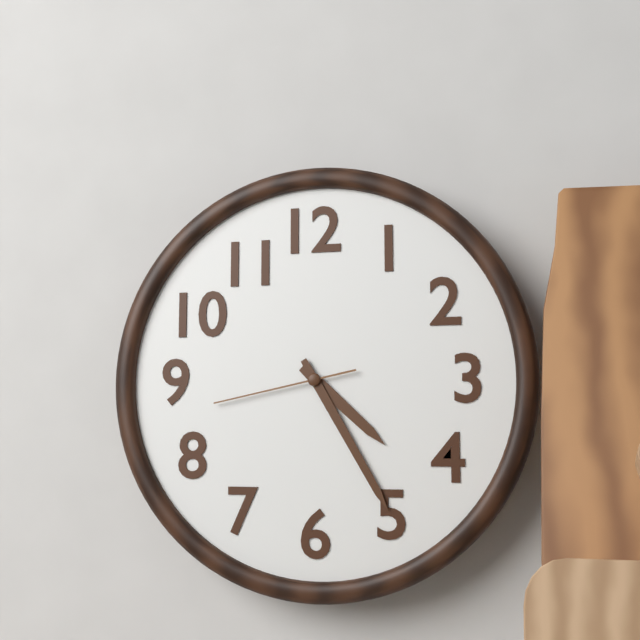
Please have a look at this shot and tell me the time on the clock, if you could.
4:25:43
